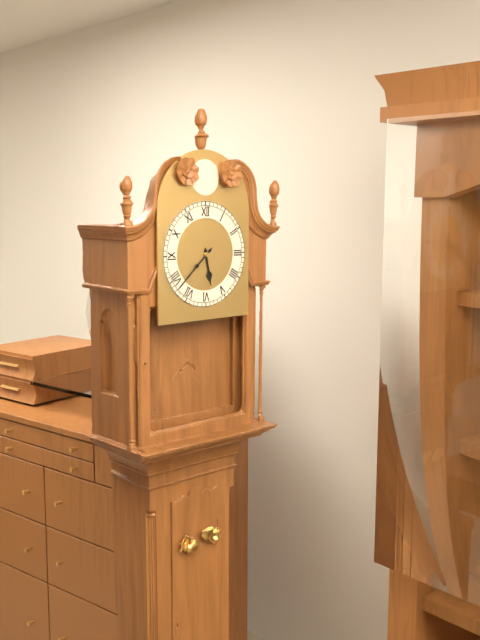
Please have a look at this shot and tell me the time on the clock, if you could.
5:38
